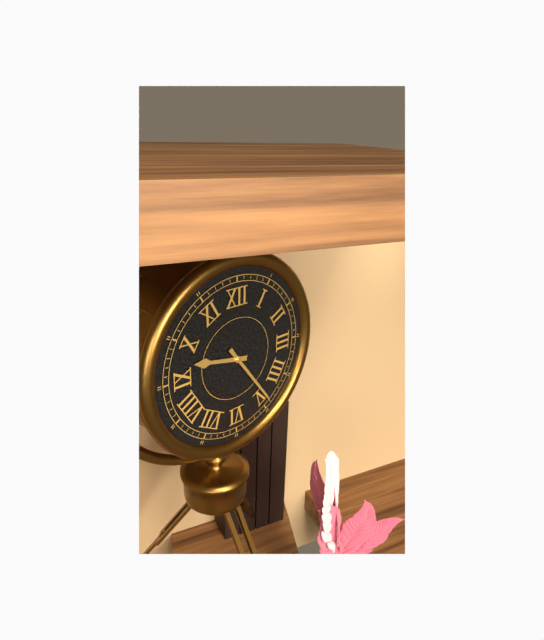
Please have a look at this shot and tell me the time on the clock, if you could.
9:24
